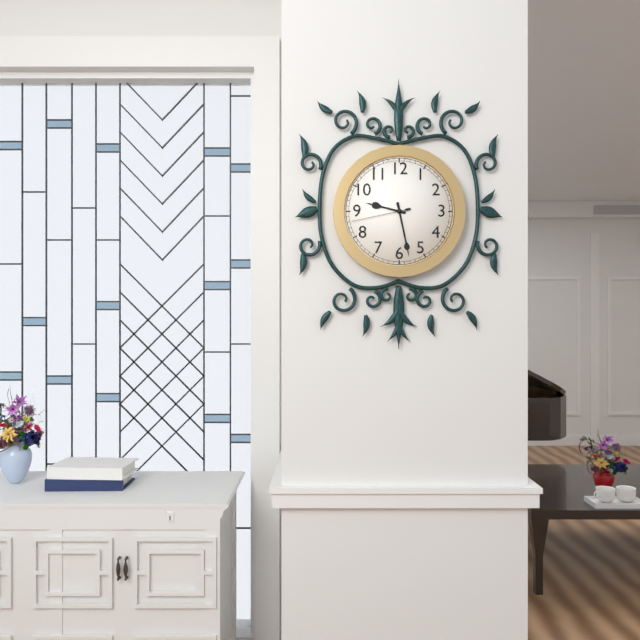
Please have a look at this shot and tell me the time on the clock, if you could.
9:28:43
